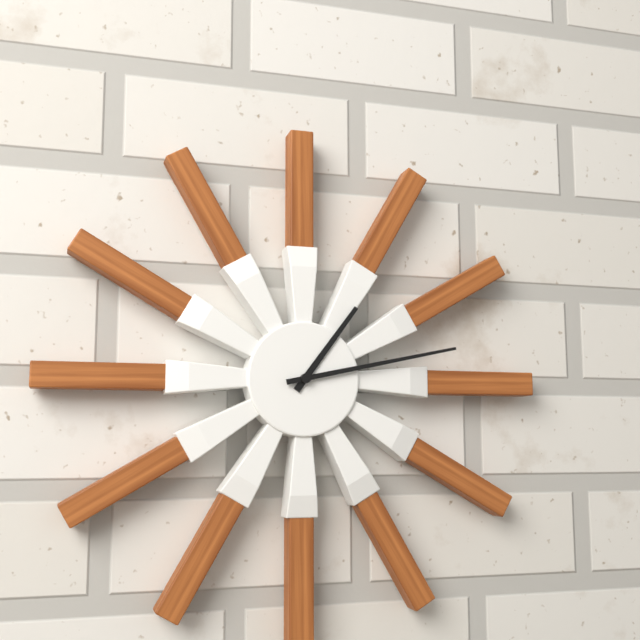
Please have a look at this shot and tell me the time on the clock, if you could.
1:13
